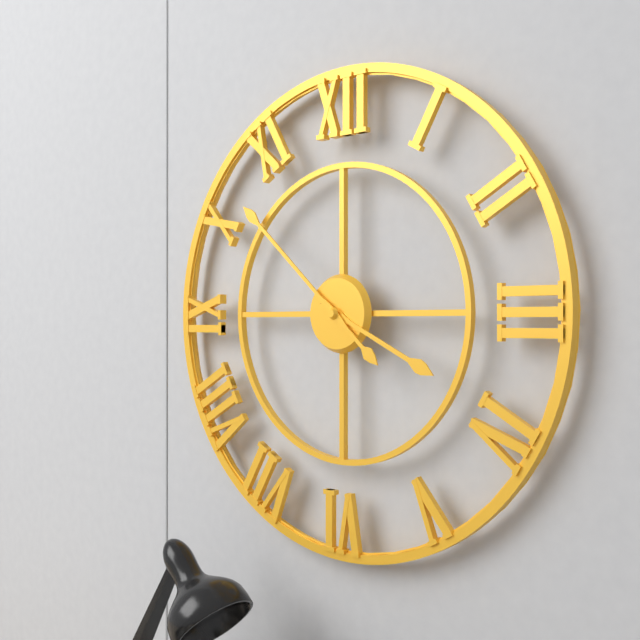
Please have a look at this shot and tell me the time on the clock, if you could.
3:52
